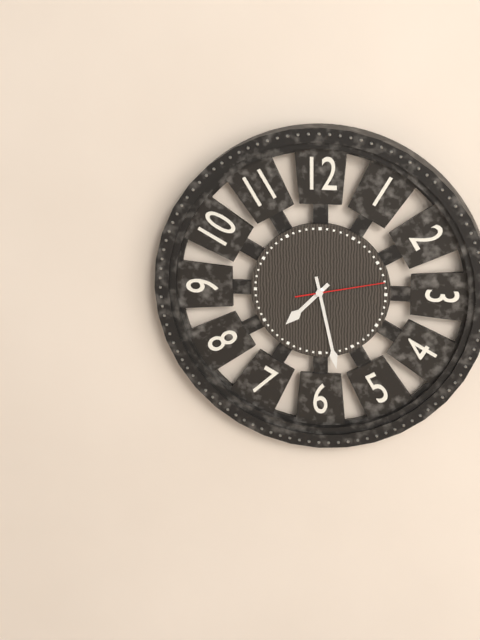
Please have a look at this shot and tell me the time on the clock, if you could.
7:28:13
